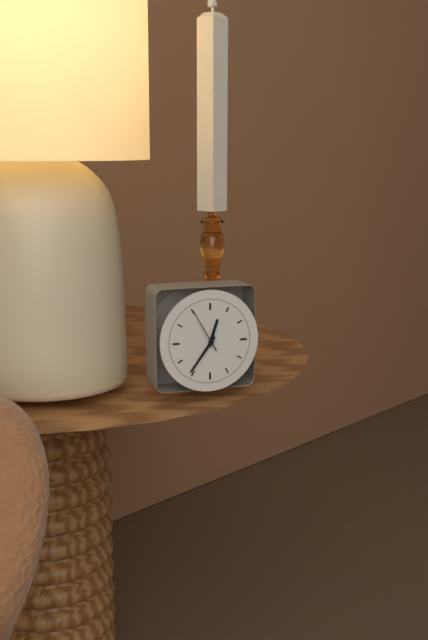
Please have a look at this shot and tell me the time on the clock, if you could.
12:36
